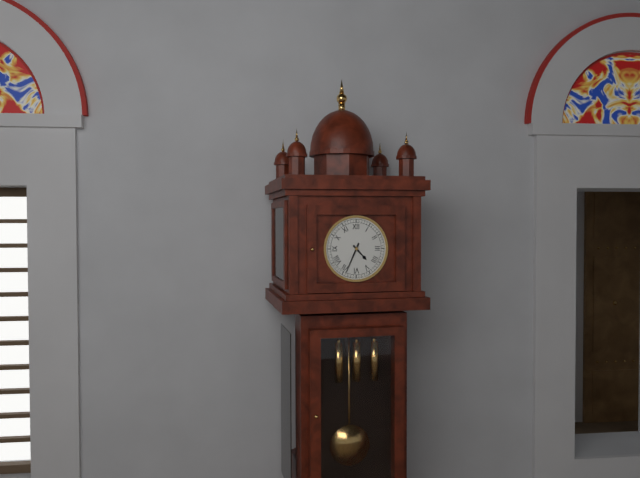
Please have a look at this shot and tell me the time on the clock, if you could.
4:34
